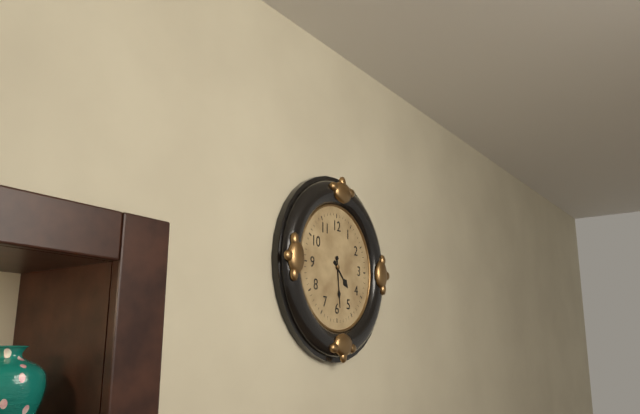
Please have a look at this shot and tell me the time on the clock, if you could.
4:29
